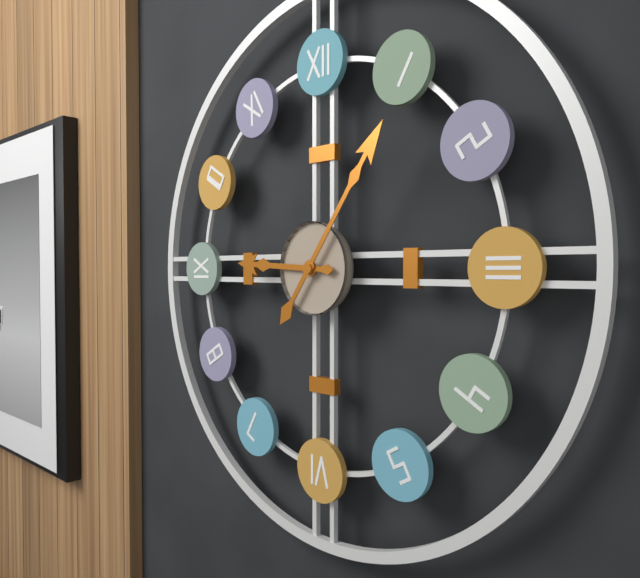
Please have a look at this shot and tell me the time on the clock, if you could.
9:06
